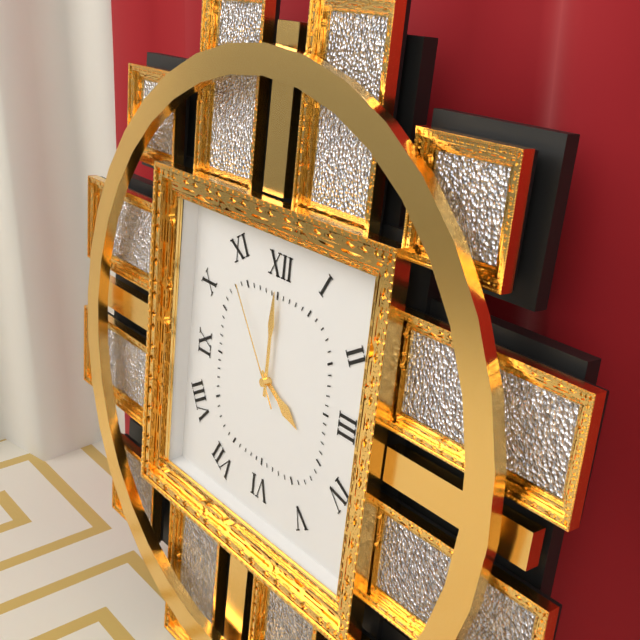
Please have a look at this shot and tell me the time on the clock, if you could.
4:00:54
